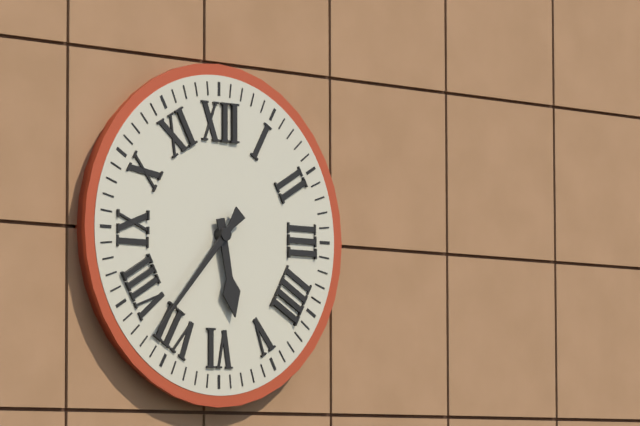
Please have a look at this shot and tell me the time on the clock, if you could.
5:37
